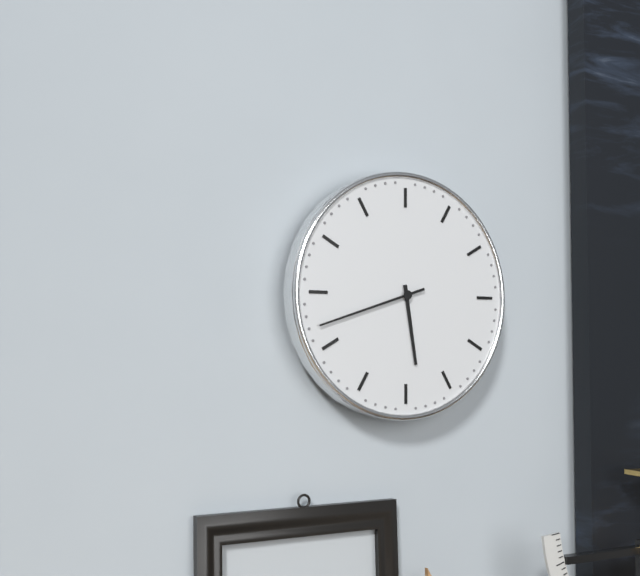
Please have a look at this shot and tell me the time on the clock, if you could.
5:42
